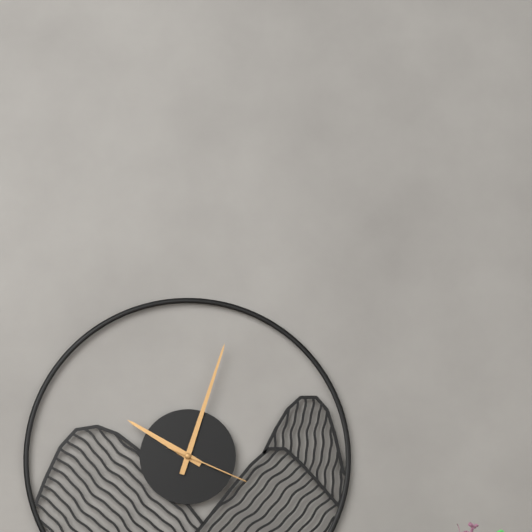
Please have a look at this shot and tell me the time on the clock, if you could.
10:03:19
